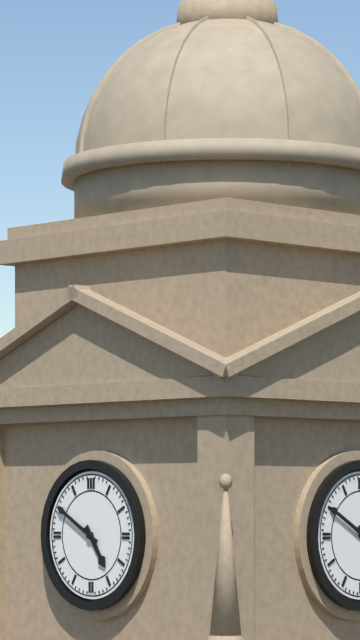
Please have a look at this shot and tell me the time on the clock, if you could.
4:50
